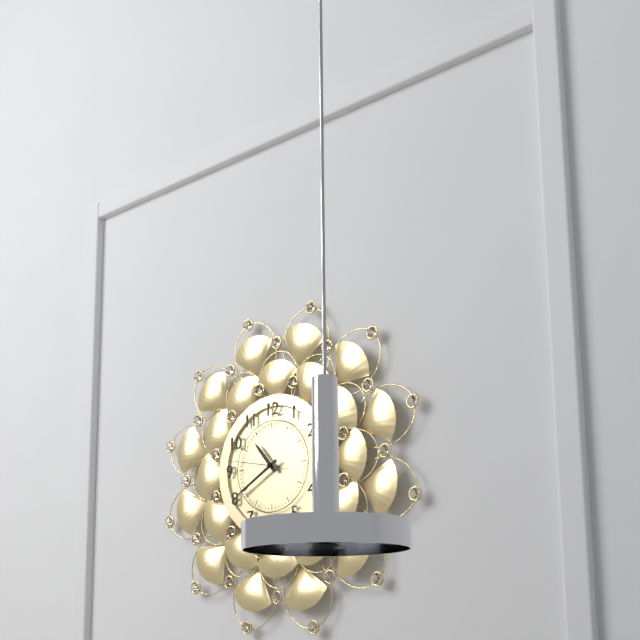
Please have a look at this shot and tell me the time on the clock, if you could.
10:40
